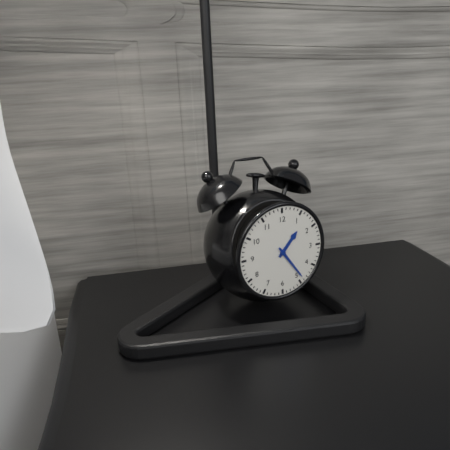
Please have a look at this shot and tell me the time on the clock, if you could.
1:24
